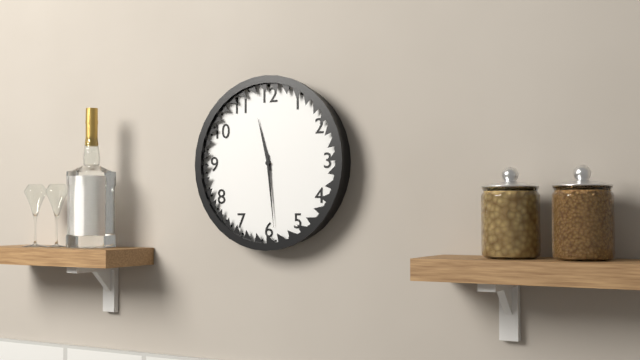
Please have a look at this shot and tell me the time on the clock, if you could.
11:29
